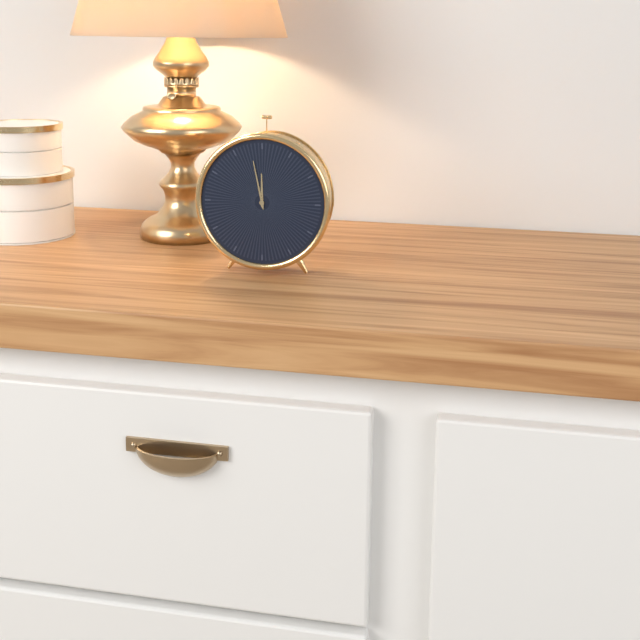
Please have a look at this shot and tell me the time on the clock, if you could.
11:58
